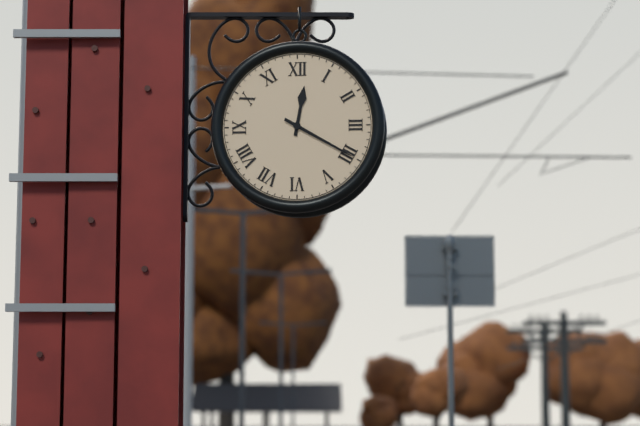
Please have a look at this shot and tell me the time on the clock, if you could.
12:20
